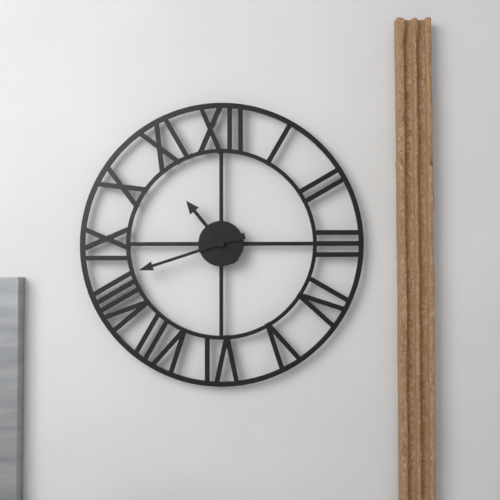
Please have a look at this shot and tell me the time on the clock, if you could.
10:42
